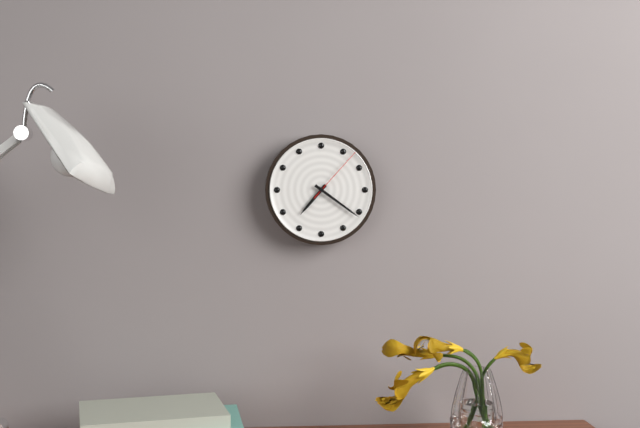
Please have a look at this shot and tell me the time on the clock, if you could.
7:21:07
